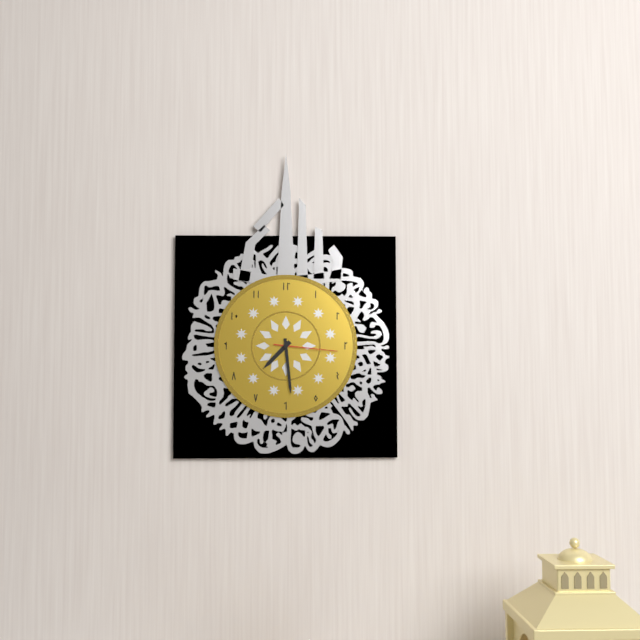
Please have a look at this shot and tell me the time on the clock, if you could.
7:29:16
